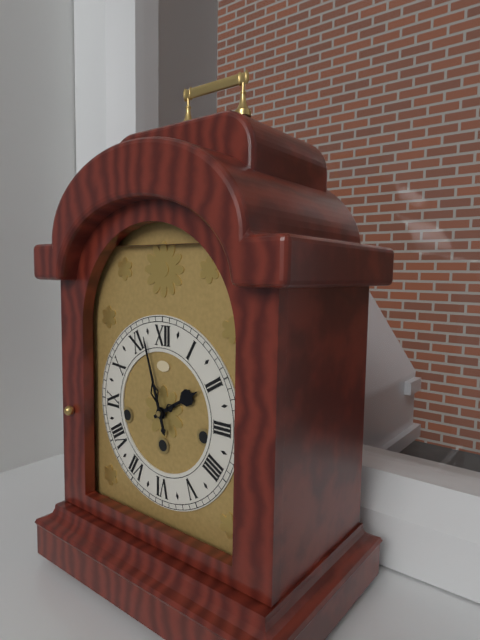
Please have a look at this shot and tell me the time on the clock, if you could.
1:57
